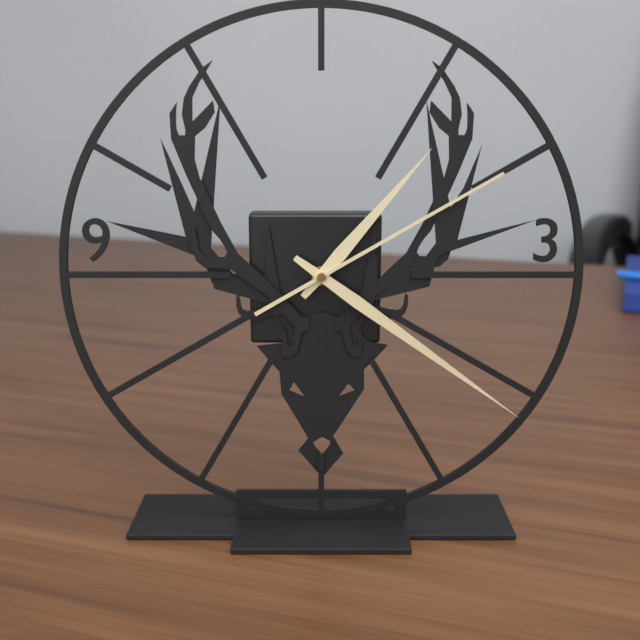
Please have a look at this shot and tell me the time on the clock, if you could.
1:21:10
